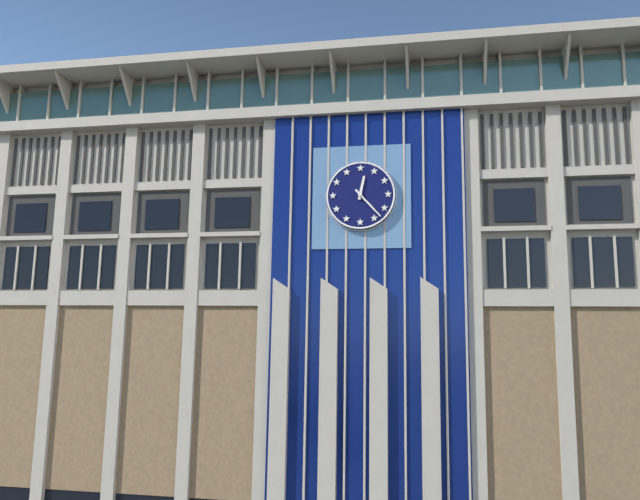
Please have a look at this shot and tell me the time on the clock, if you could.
12:23
